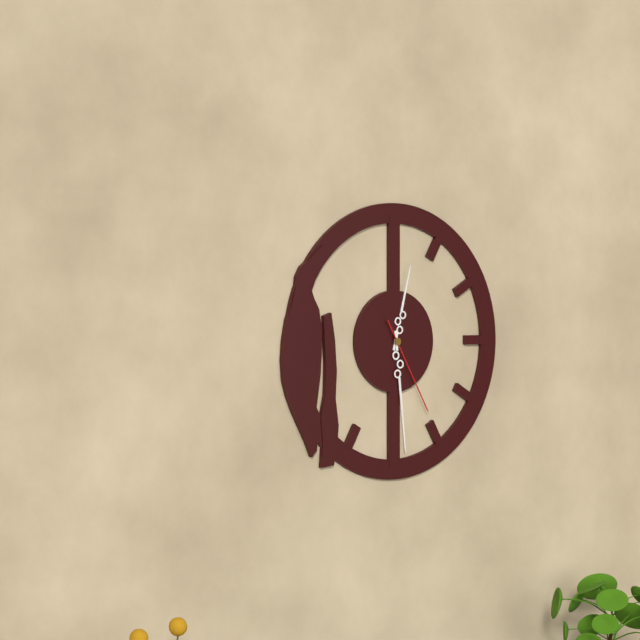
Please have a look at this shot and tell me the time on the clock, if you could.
12:29:25
